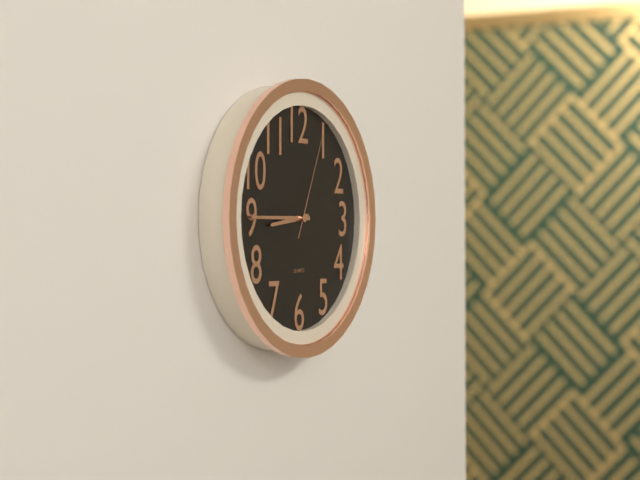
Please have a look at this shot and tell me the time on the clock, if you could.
8:45:04
